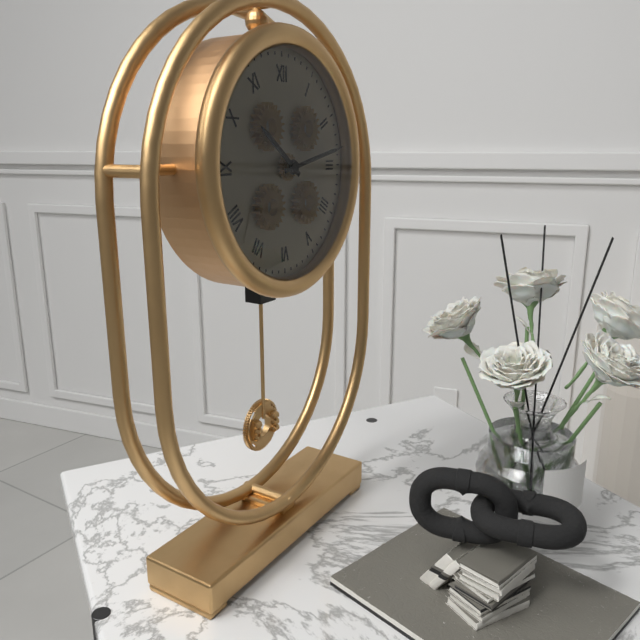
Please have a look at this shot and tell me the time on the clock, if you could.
10:13
